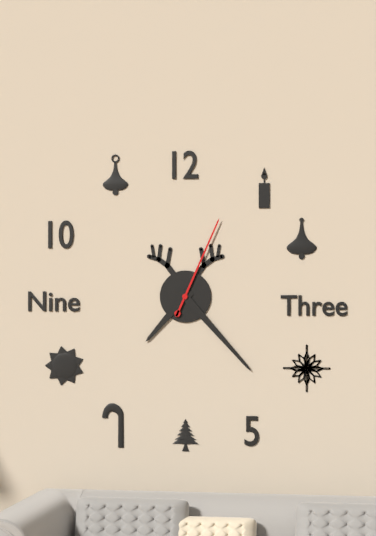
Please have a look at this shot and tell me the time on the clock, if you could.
7:23:04
